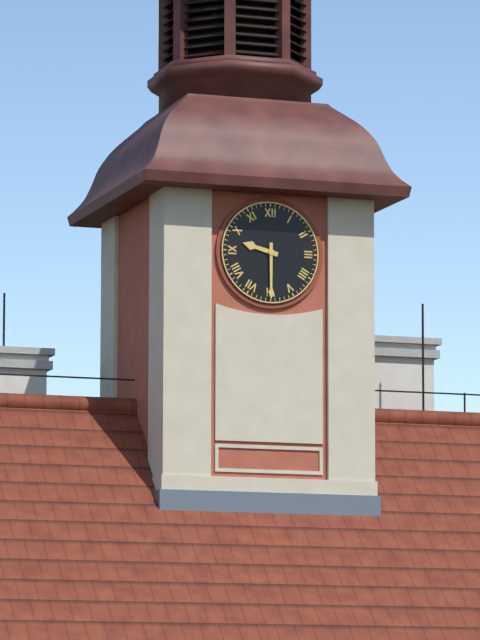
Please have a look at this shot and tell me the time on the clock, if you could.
9:30
